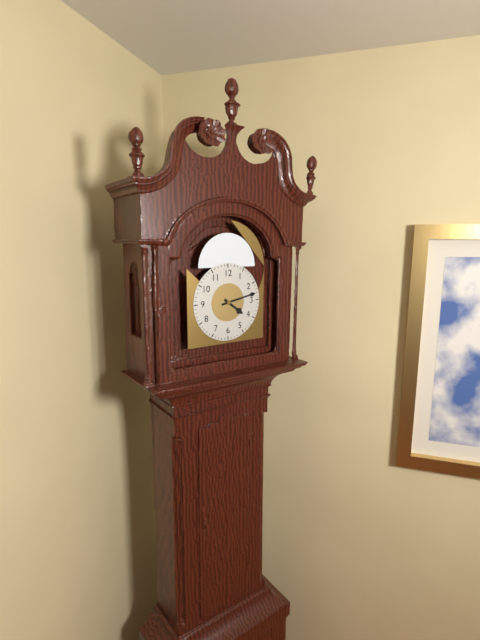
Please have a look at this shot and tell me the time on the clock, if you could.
4:13
